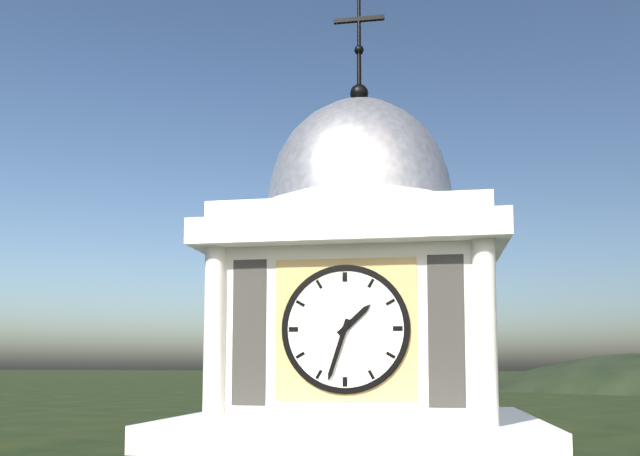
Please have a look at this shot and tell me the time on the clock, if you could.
1:33
